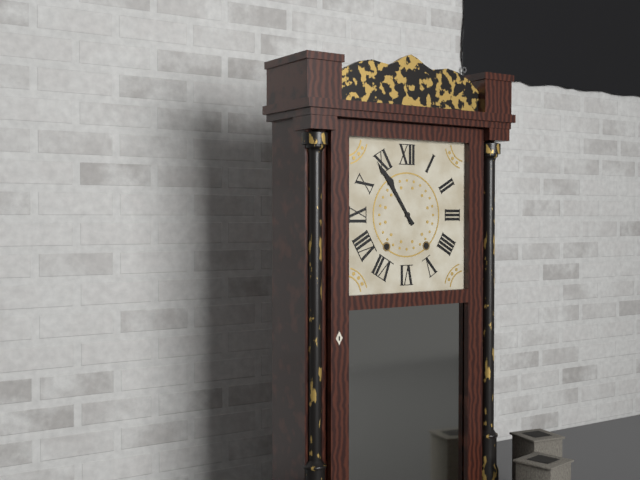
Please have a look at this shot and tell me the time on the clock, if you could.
10:54
